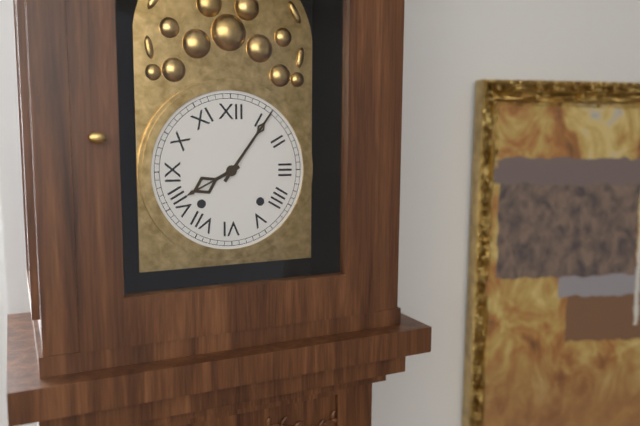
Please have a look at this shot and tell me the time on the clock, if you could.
8:06
